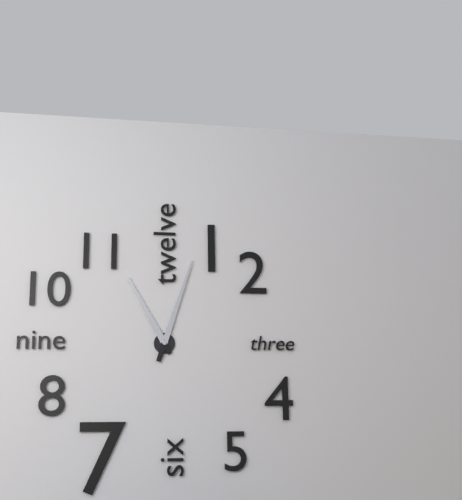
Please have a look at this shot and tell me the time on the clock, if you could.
11:03
